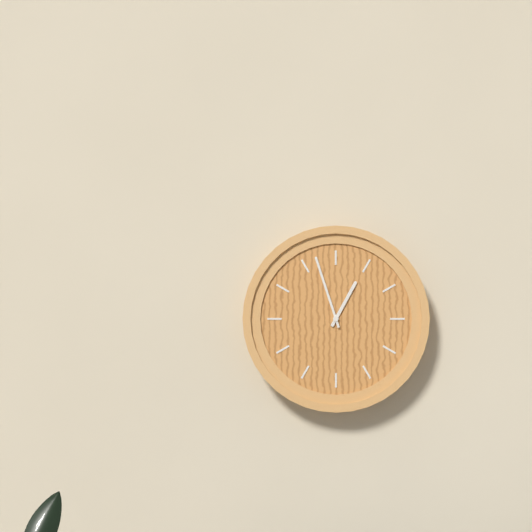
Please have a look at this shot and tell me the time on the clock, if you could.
12:57
